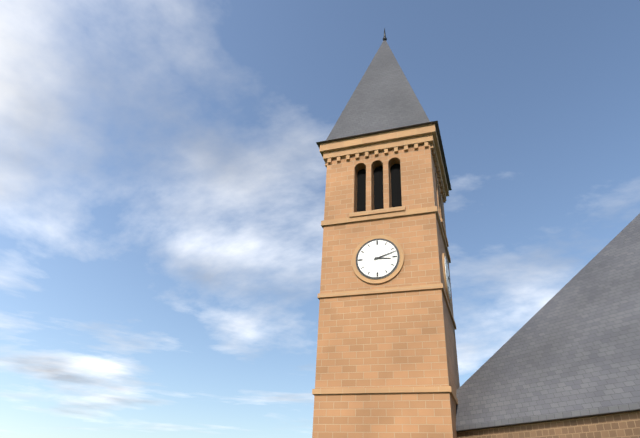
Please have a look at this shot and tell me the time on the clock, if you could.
3:12
